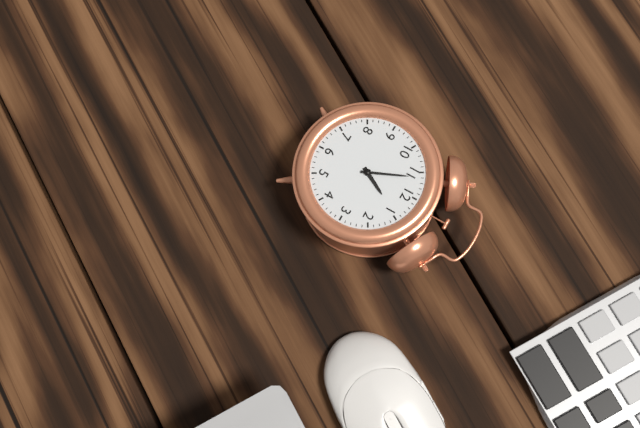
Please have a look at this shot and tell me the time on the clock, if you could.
12:56
